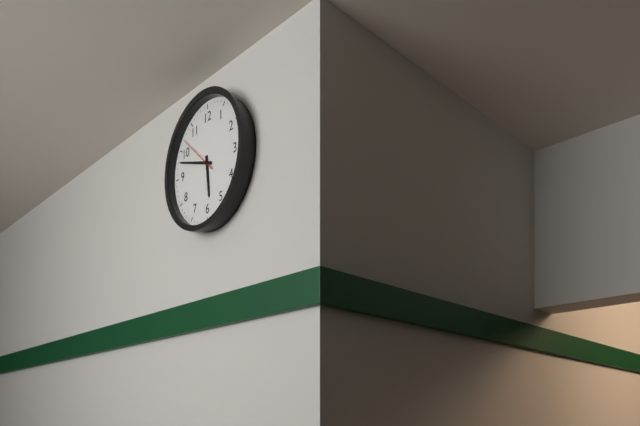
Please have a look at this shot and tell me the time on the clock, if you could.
5:48
